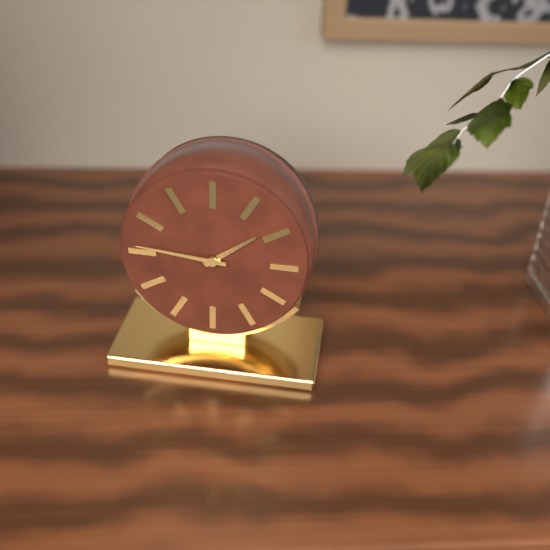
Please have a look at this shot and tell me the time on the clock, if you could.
1:46
